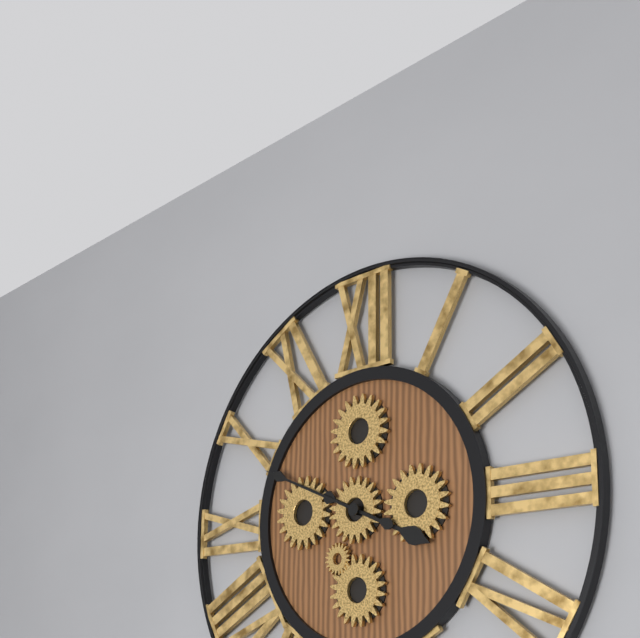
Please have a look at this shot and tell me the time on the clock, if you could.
3:49
